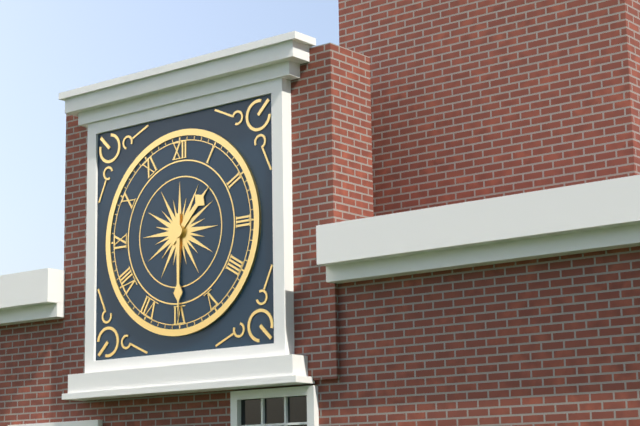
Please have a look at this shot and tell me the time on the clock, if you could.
1:30
